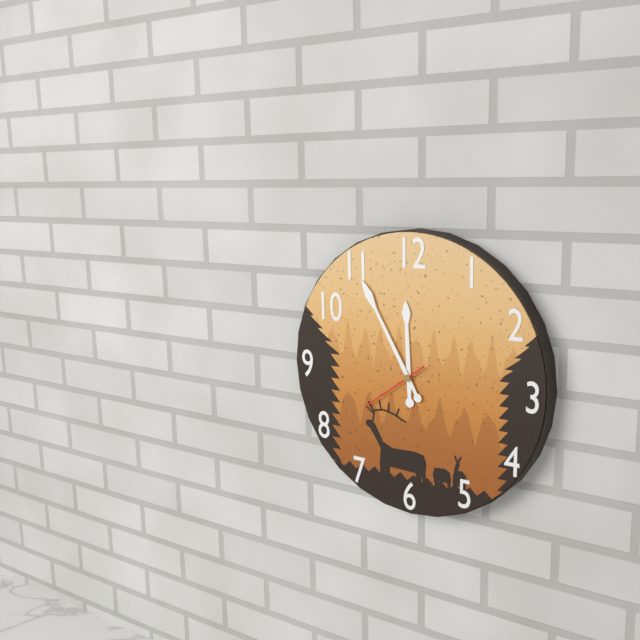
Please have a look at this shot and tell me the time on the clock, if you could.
11:55:39
